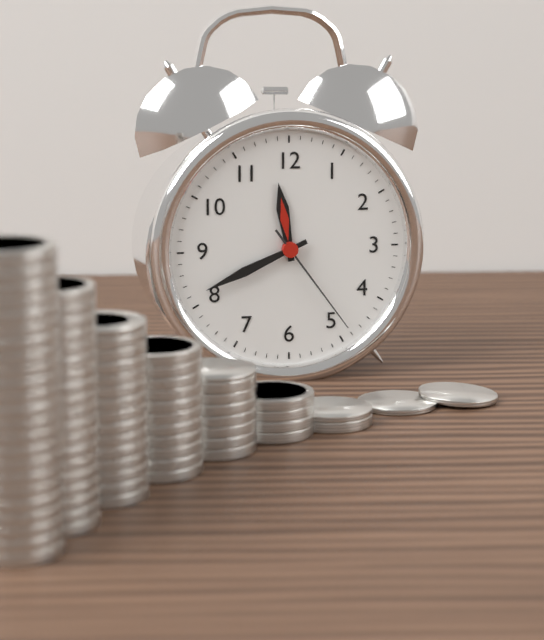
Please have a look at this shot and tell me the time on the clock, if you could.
11:41:24
